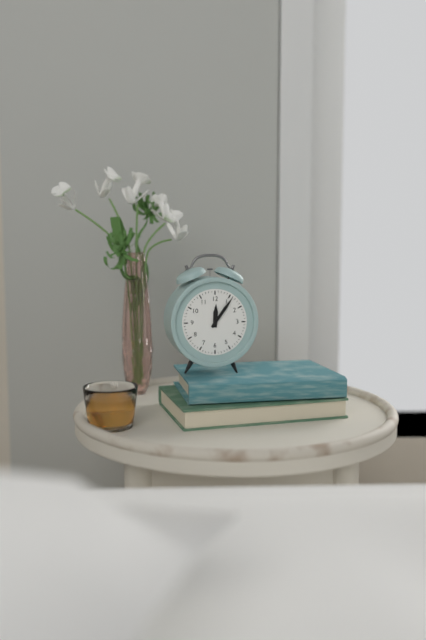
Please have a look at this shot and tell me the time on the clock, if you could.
12:06
